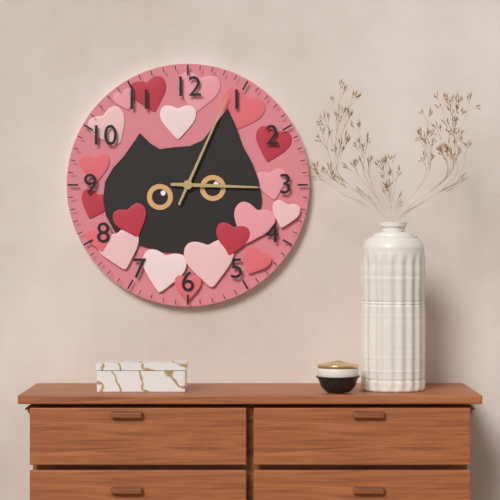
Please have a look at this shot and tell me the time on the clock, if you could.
3:04
